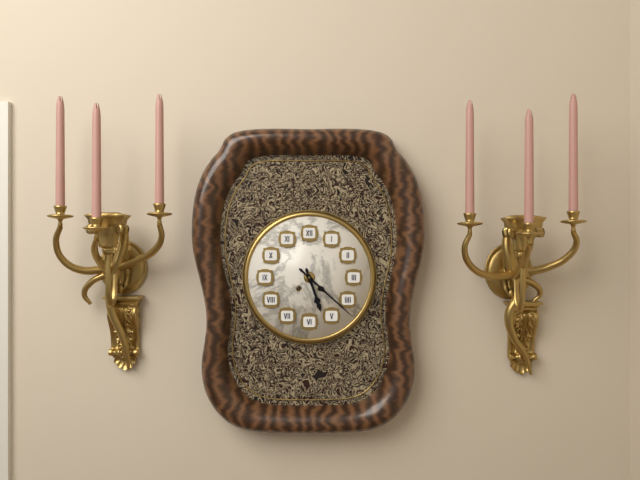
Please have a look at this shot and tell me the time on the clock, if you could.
5:22
